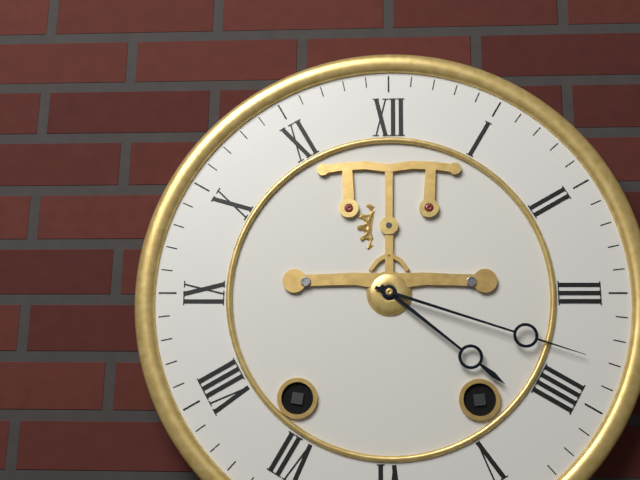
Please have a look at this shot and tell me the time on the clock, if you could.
4:18
